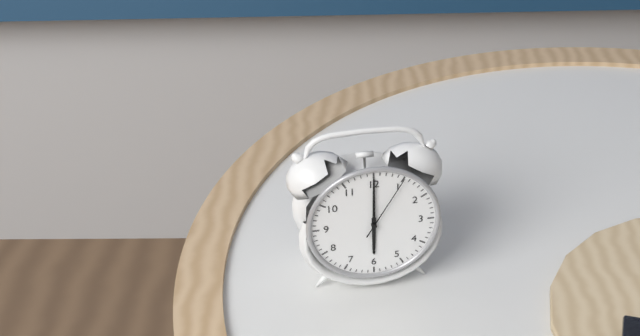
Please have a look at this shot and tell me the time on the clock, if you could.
6:00:05
